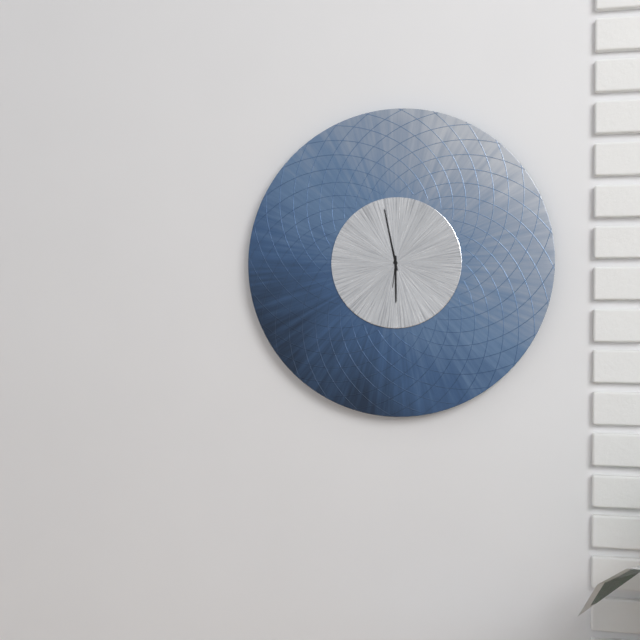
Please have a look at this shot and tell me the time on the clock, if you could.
5:58
